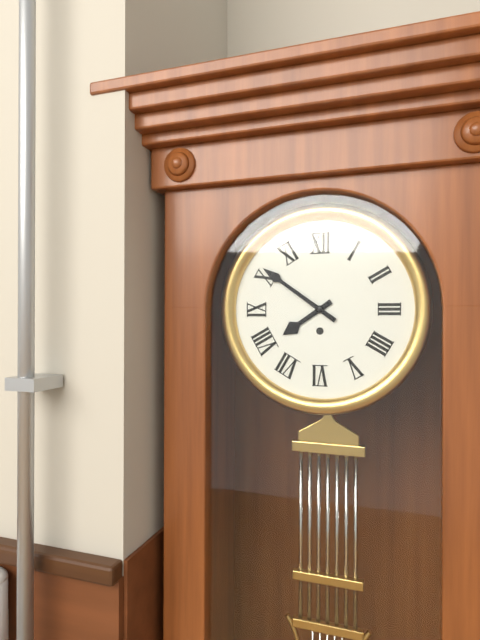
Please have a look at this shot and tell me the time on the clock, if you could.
7:51
